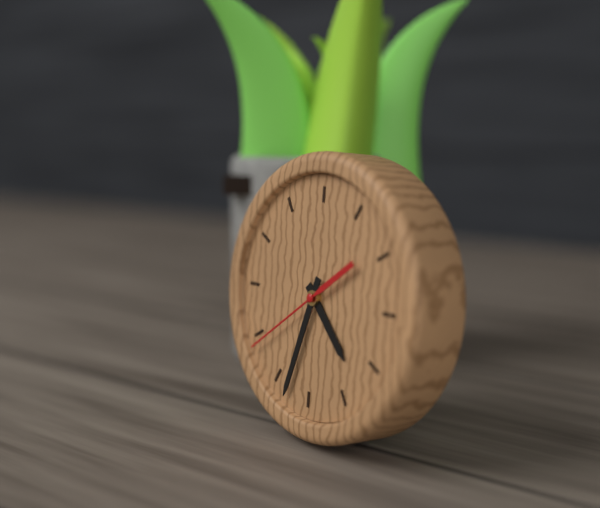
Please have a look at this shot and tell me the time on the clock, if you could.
4:33:39
